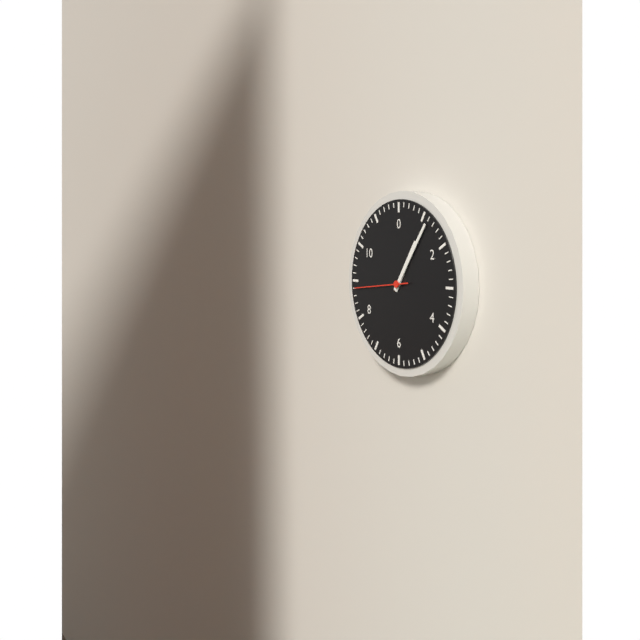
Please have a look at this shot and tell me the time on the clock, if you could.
1:06:44
